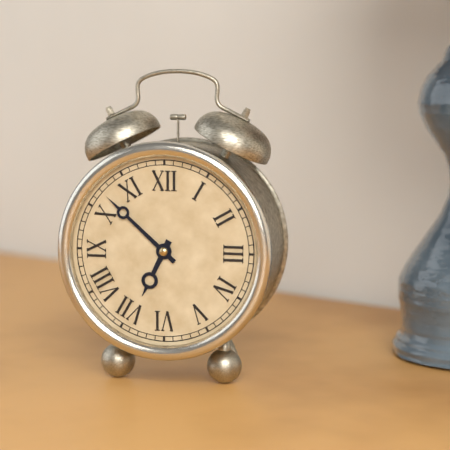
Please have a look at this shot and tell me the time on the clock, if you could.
6:52
